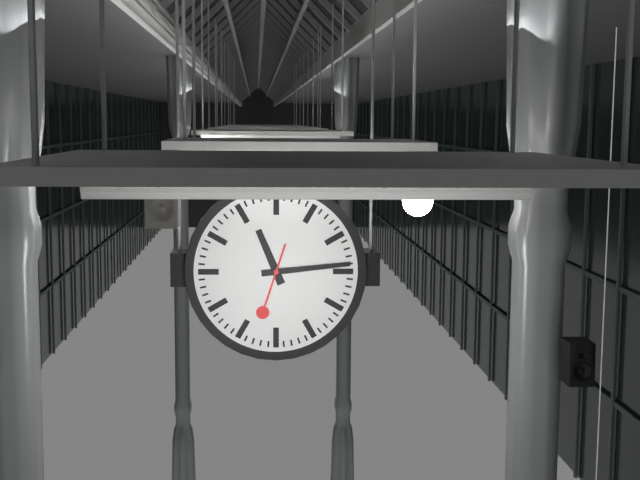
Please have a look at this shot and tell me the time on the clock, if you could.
11:14:33
